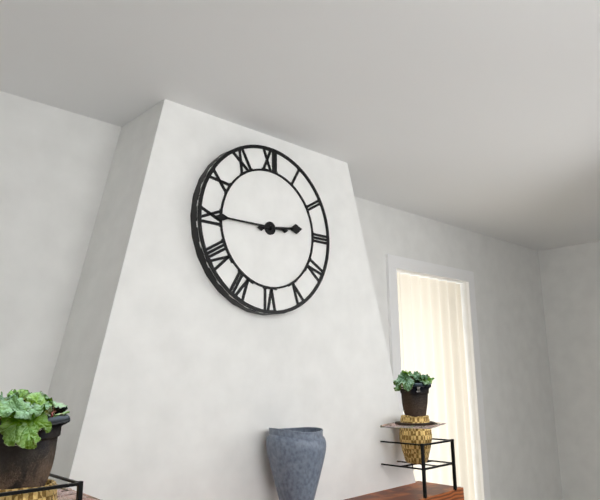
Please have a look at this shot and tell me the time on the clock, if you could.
2:45
